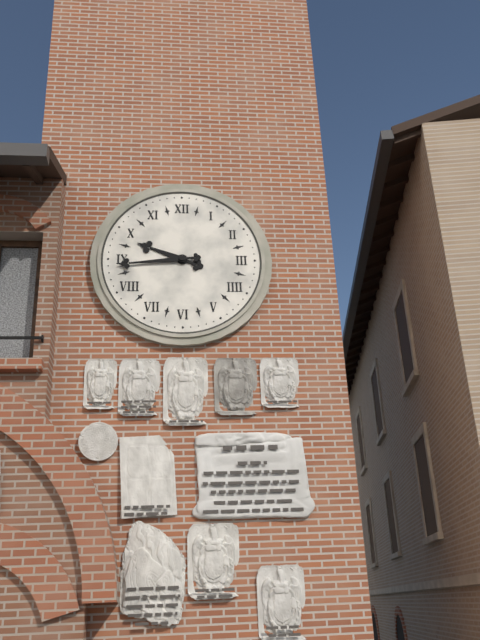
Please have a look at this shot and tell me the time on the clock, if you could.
9:44
